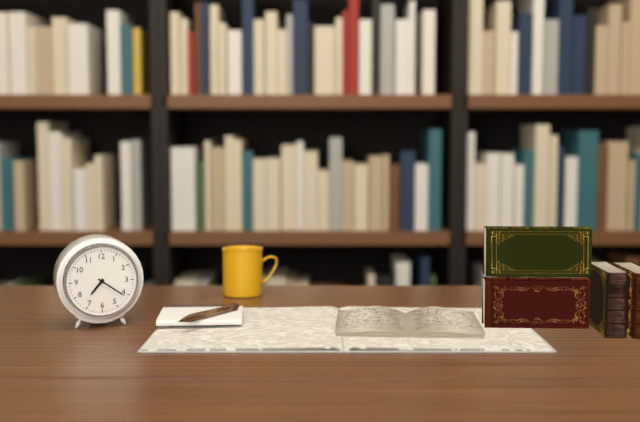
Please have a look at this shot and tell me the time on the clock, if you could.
7:21
